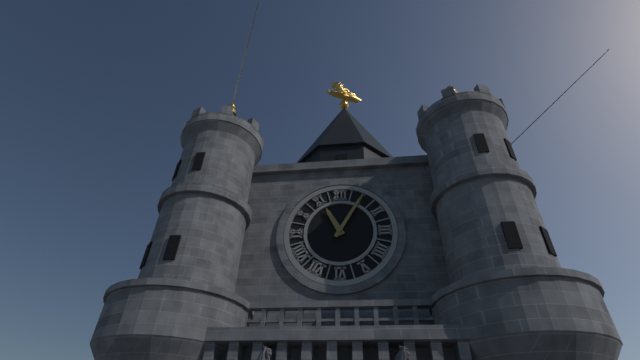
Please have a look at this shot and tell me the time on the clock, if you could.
11:05
